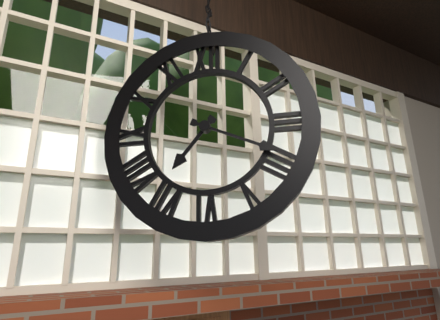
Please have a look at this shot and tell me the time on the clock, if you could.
7:19
